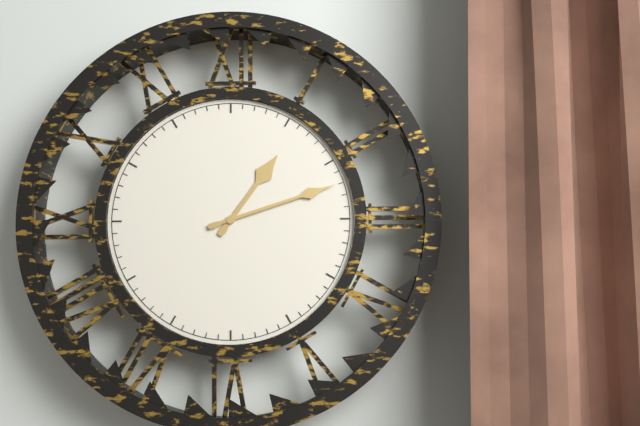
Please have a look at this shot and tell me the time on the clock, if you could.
1:12
